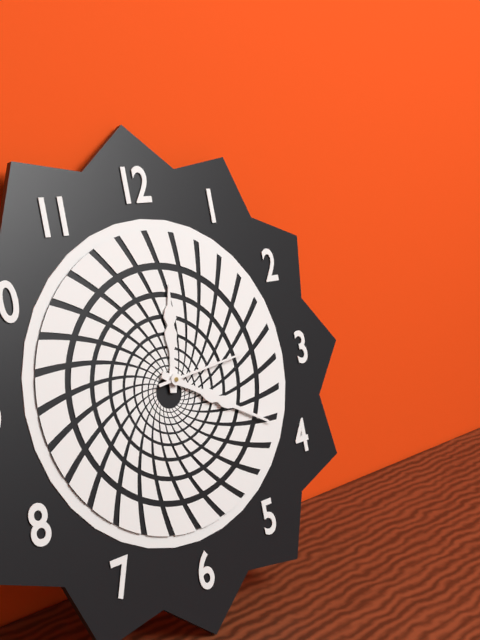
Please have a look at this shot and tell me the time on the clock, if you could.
12:20:14
